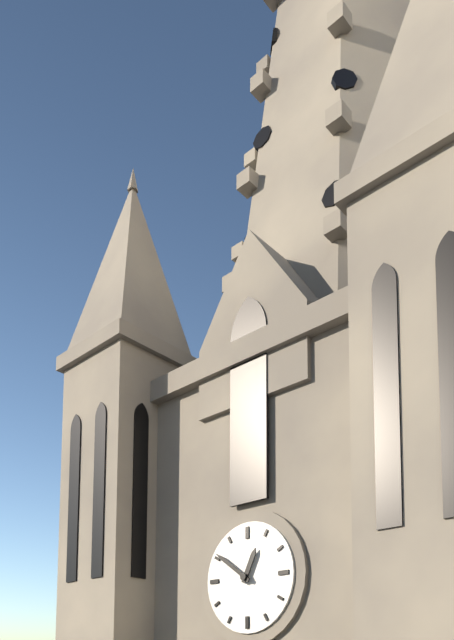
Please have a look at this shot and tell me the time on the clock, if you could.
12:51
